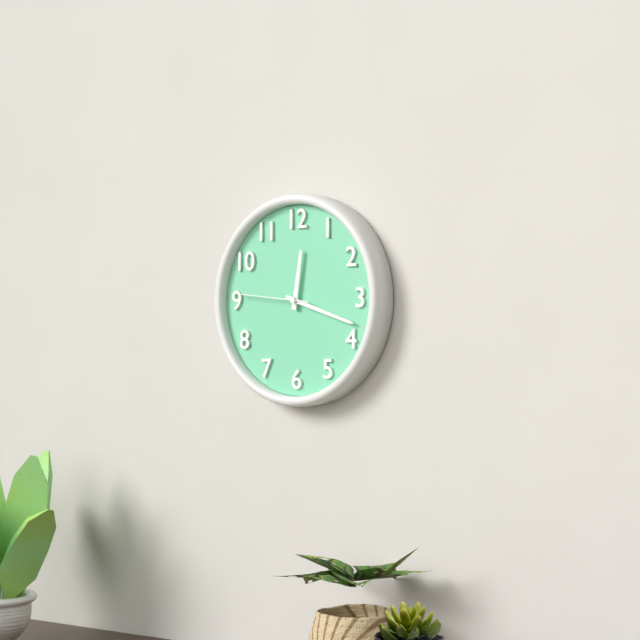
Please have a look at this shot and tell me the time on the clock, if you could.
12:18:46
